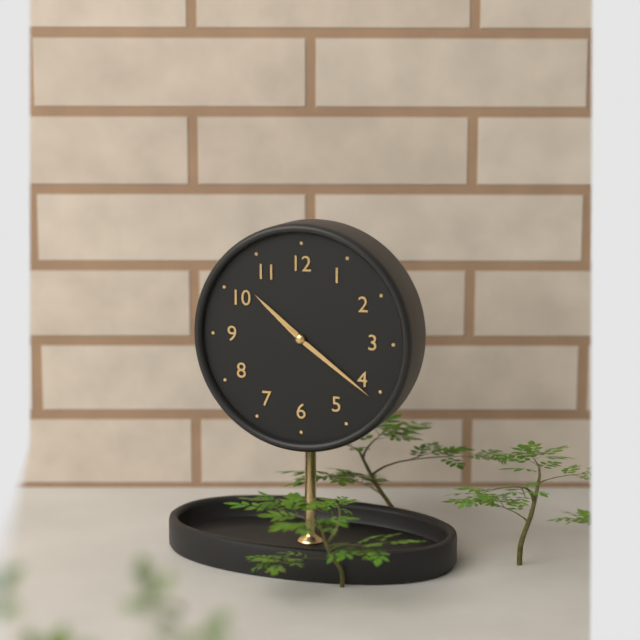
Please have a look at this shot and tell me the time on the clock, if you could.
10:21
